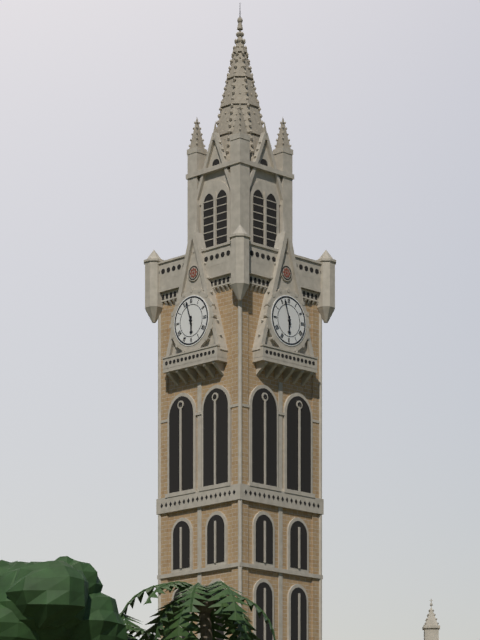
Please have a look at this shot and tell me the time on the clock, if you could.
5:57
